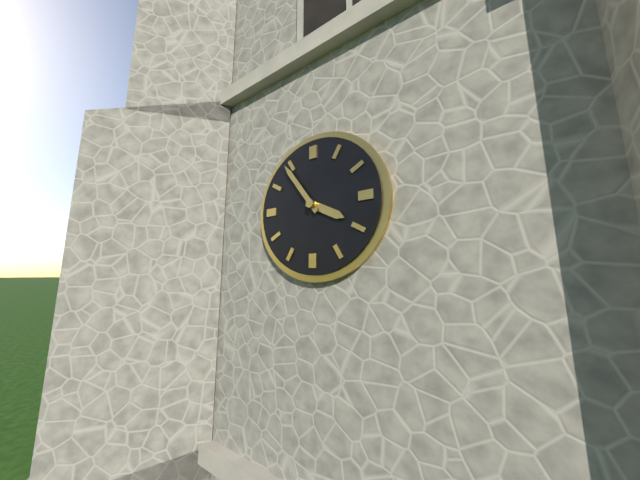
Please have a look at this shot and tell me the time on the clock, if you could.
3:54
